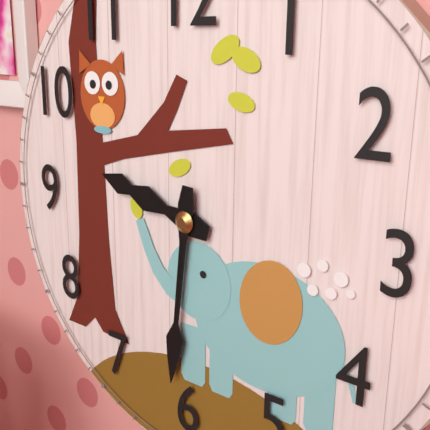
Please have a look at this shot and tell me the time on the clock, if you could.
9:31
